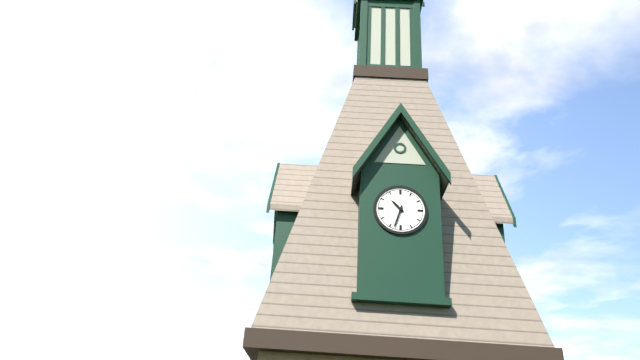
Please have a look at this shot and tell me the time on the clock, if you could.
10:33
